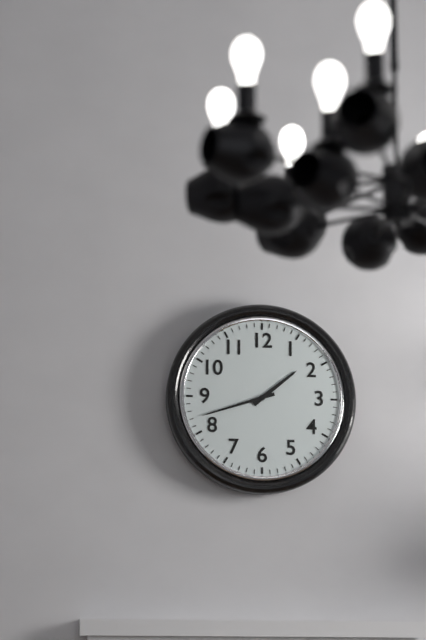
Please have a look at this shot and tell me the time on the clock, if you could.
1:42
